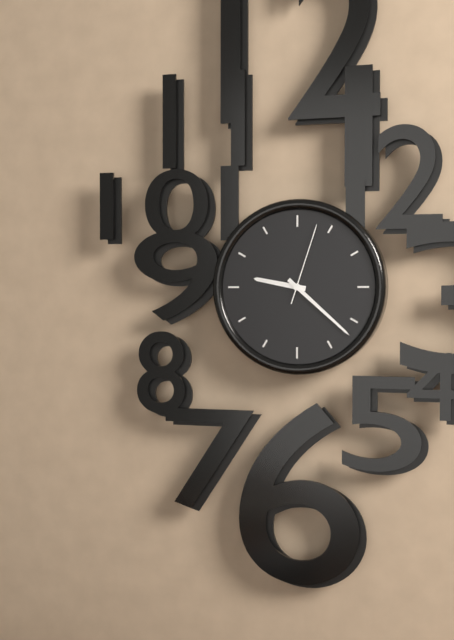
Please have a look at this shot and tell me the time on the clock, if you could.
9:22:03
